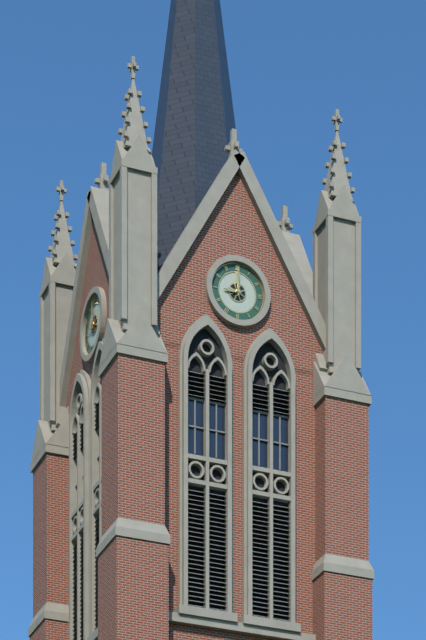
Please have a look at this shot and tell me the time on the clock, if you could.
9:00
